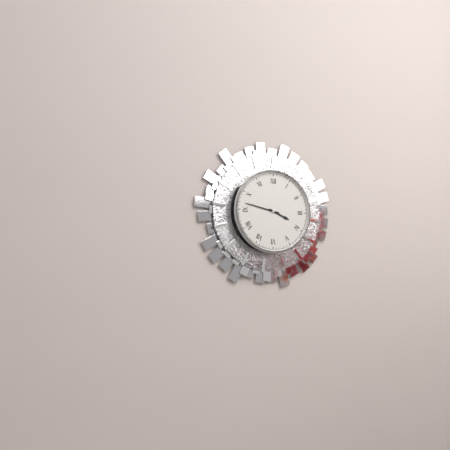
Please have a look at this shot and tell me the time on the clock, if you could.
3:47
